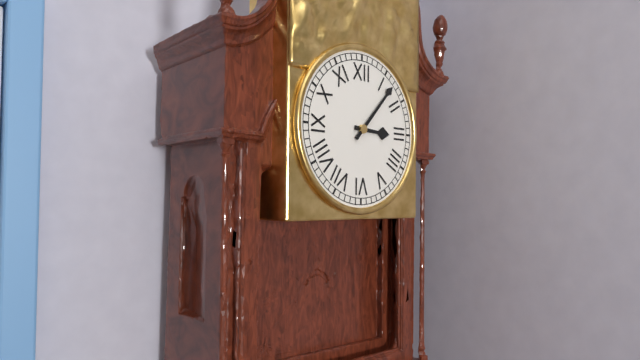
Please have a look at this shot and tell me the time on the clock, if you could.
3:07
